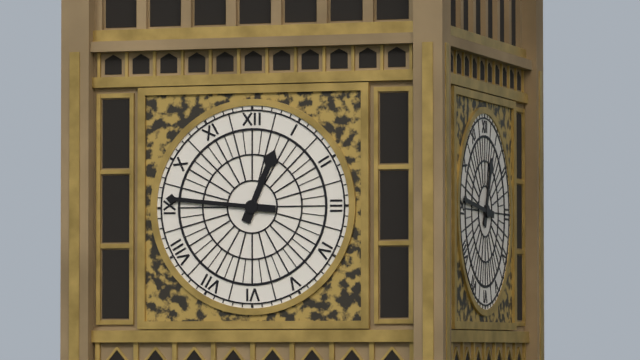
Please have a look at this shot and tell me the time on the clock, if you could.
12:46
